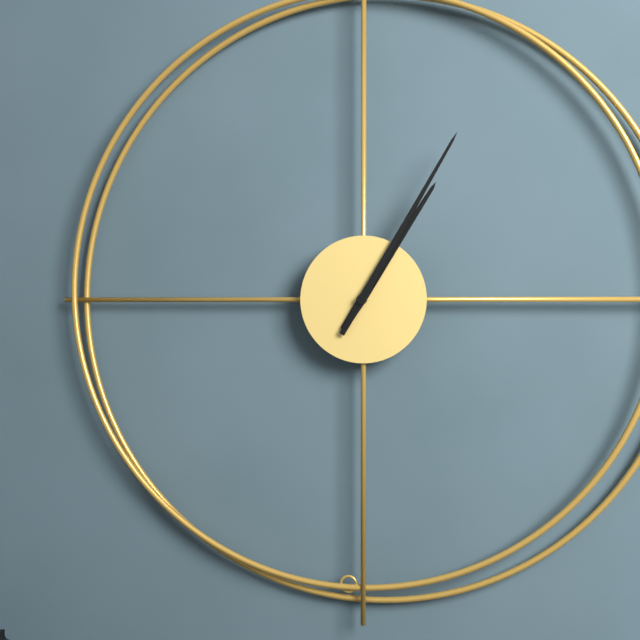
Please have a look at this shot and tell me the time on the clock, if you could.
1:05
